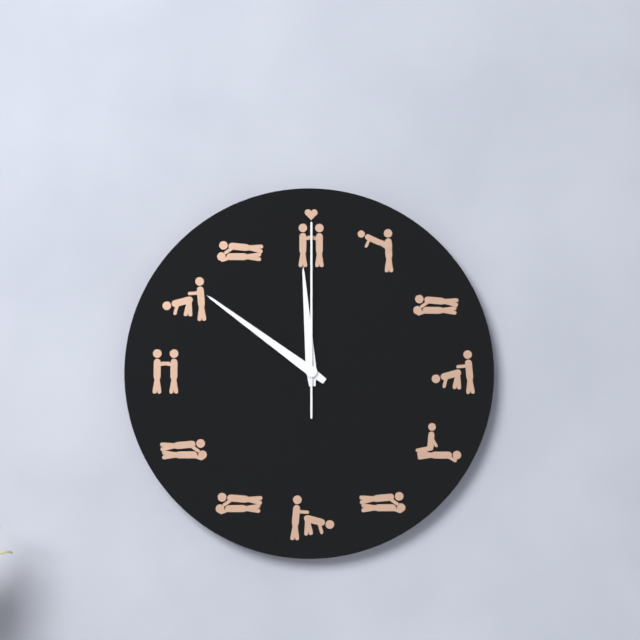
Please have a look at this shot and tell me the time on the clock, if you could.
11:51:00
